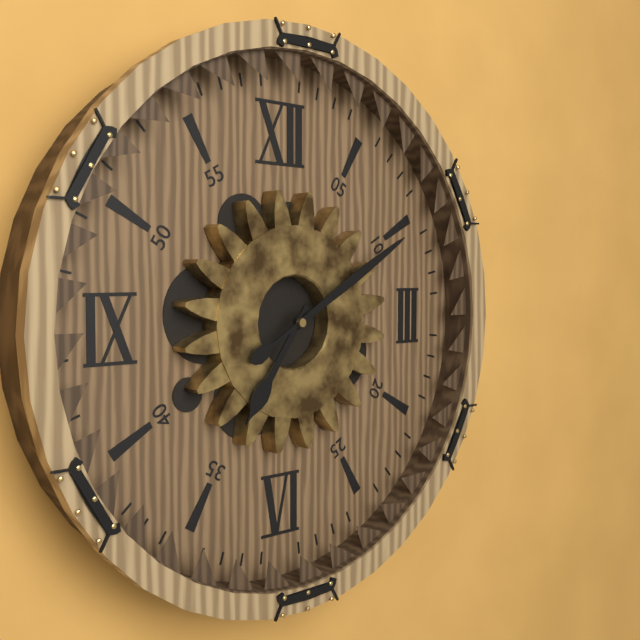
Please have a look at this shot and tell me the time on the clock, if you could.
7:10
